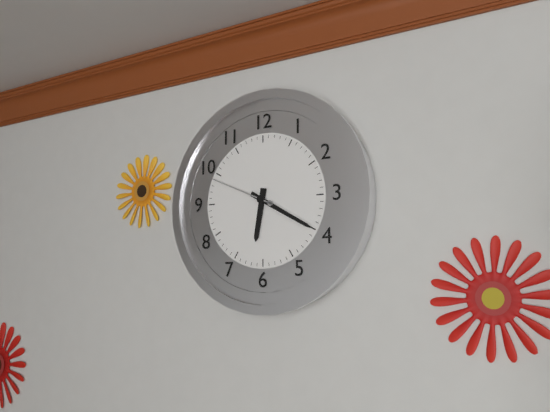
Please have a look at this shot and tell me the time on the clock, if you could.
6:20:49
